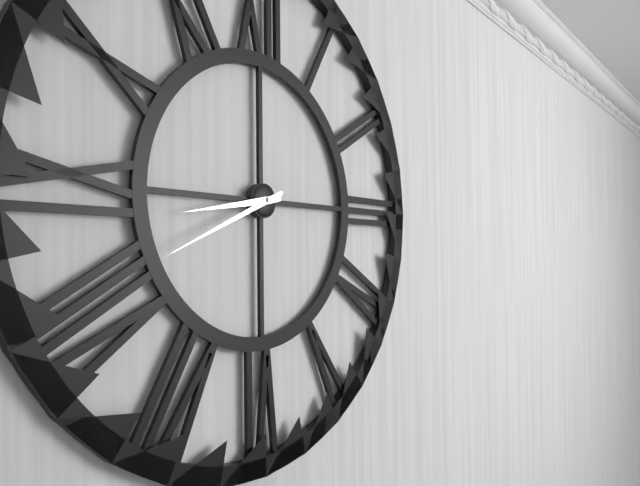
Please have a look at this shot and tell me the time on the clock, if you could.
8:41
